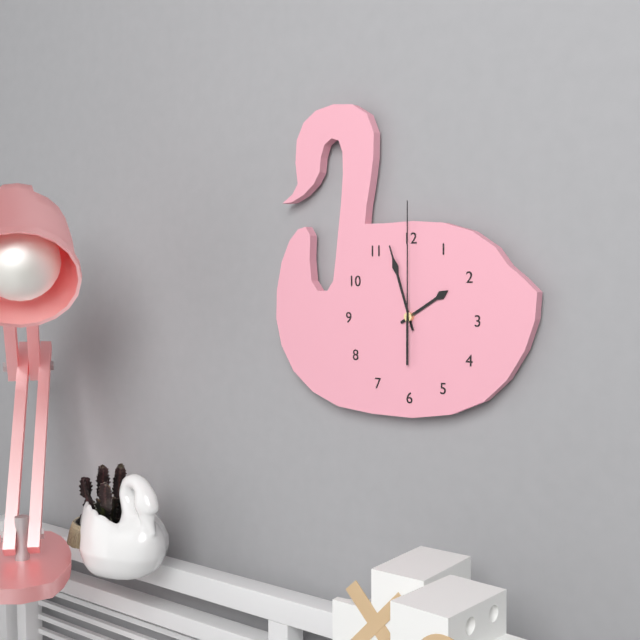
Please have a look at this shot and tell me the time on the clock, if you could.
1:57:00
